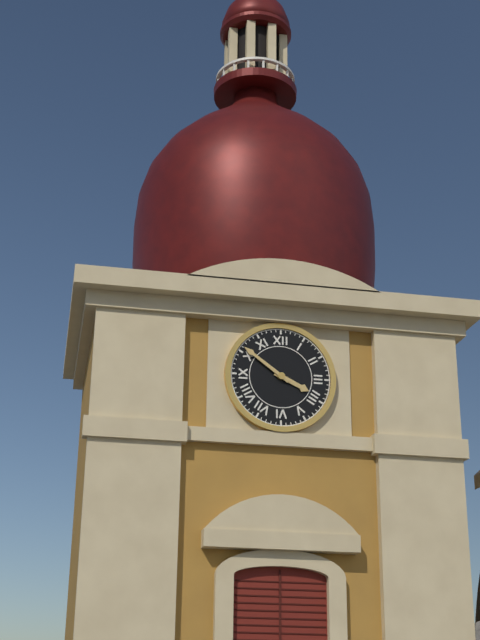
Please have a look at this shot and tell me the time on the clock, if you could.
3:51
